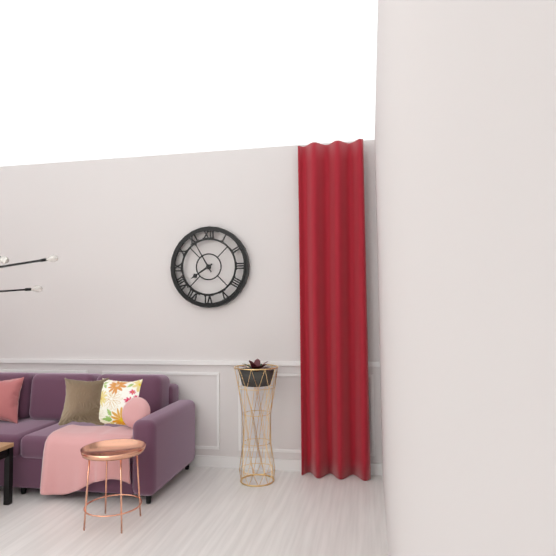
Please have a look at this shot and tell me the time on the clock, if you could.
7:55
